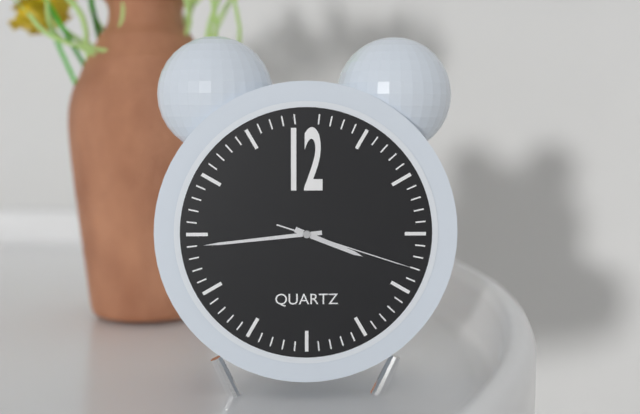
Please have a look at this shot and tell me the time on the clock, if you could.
3:44:18
